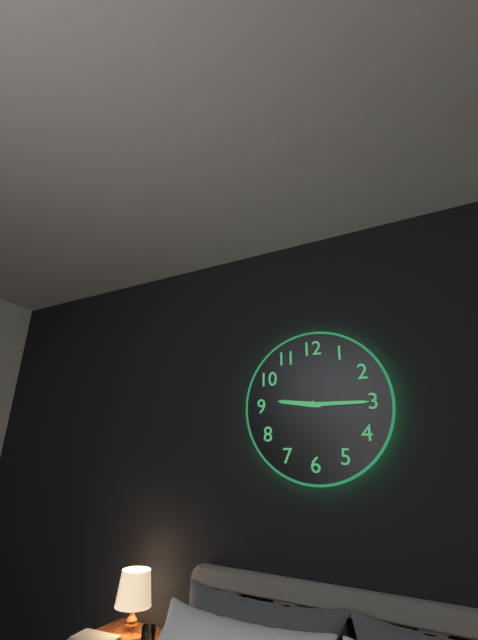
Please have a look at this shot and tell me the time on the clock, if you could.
9:15
